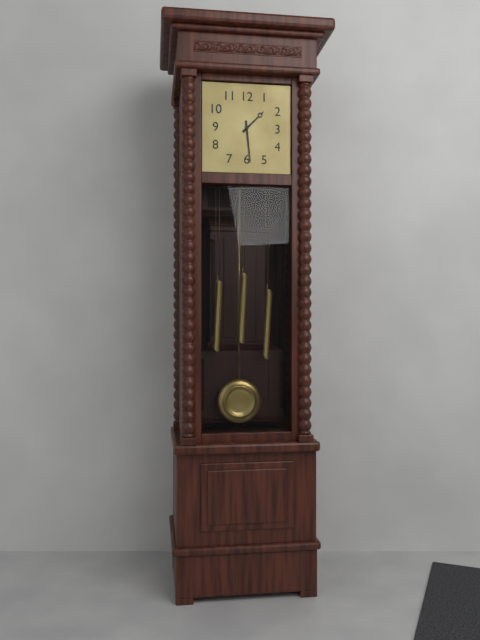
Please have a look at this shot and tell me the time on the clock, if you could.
1:29
